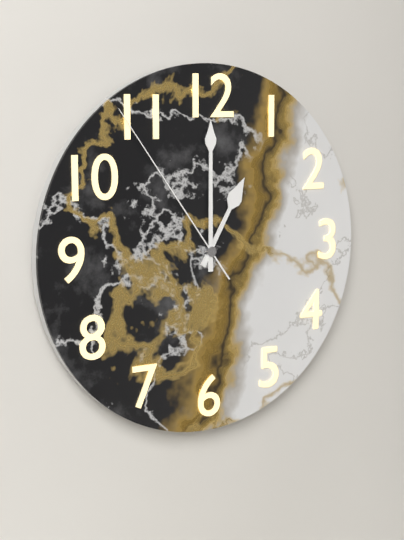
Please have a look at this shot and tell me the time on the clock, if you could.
1:00:54
